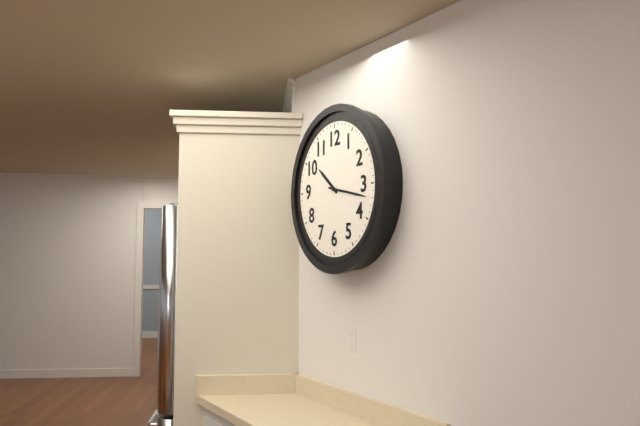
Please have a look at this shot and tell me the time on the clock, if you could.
10:17
